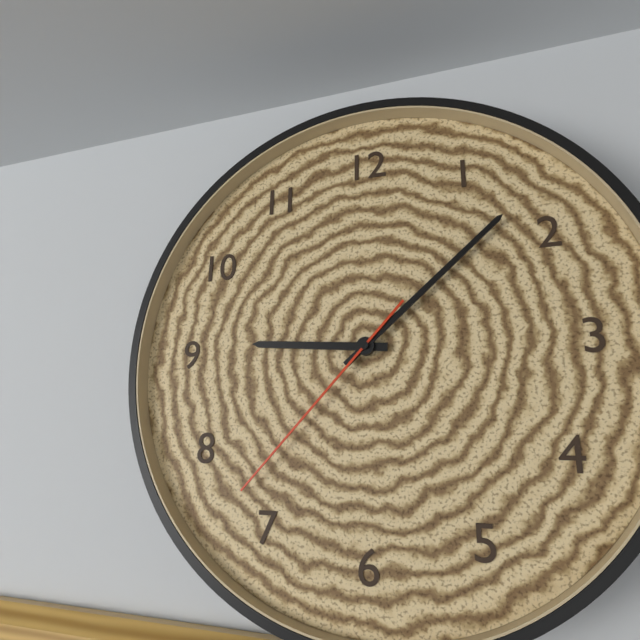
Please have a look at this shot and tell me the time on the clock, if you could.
9:08:37
